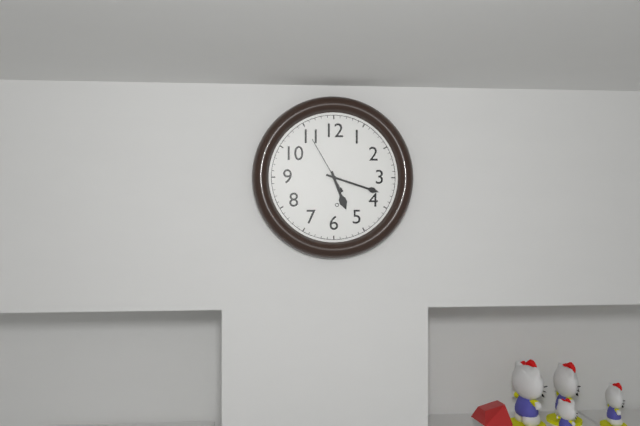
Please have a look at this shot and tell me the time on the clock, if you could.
5:18:55
